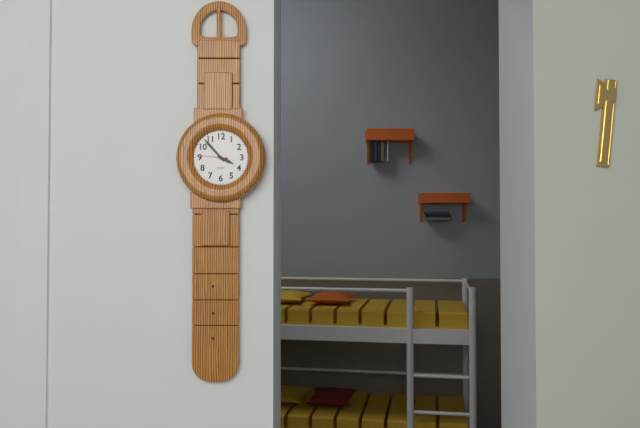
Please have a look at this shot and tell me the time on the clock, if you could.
3:53
